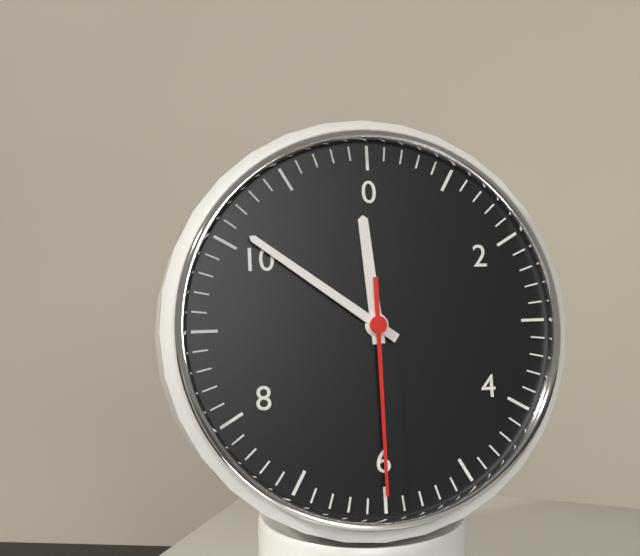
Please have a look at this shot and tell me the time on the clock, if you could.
11:51:30
